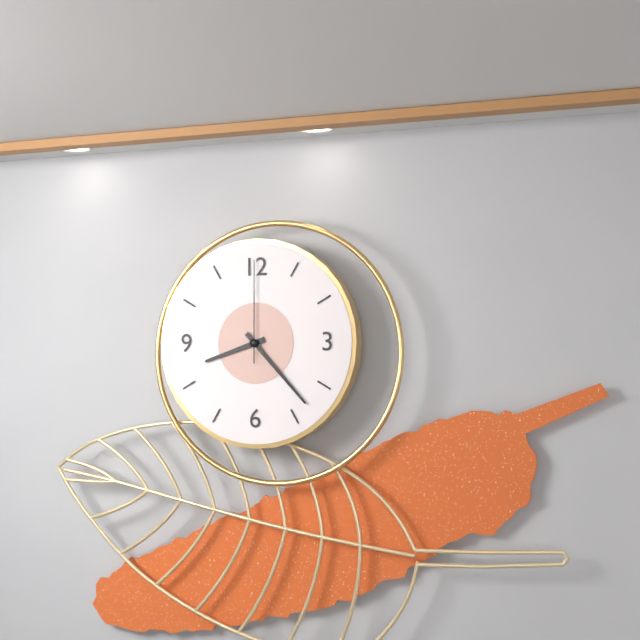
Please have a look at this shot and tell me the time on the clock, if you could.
8:23:00
